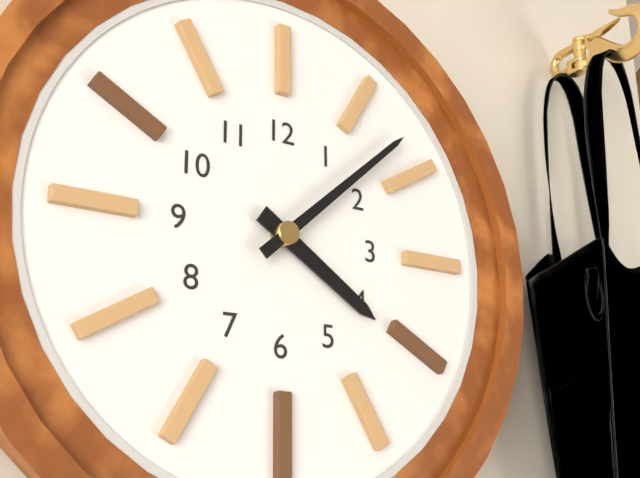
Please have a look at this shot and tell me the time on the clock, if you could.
4:08
